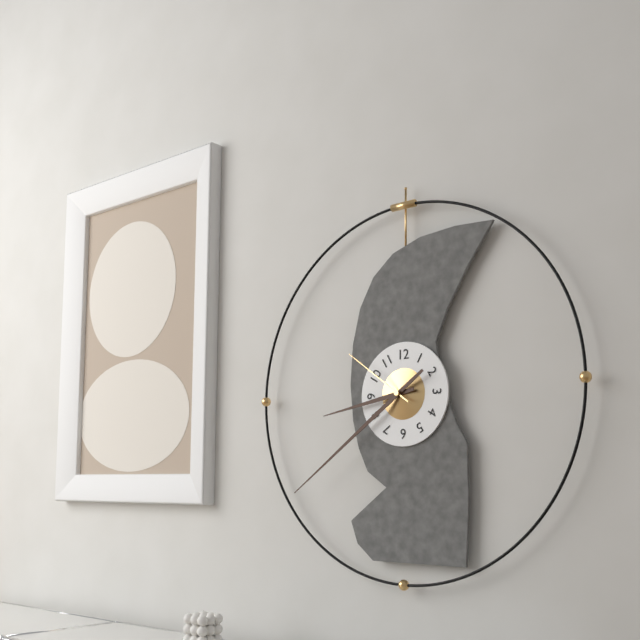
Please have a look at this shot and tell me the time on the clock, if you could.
8:39:51
